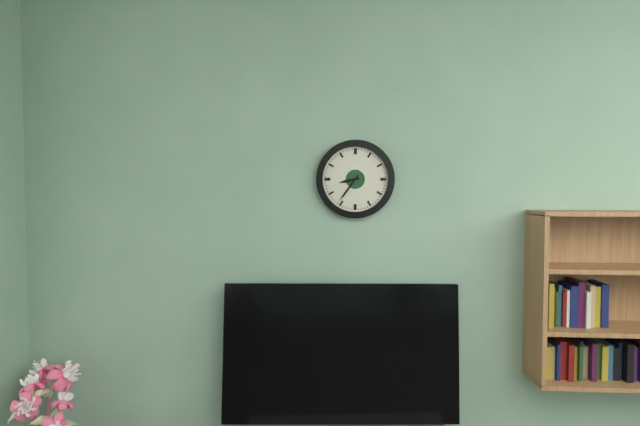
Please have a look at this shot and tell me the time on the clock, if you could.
8:36
